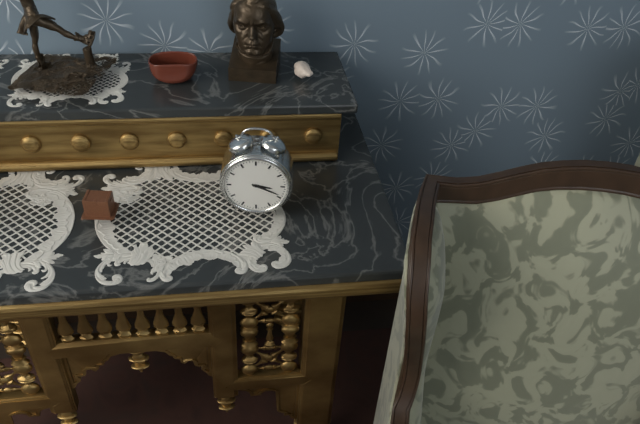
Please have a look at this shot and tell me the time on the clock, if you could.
3:19
